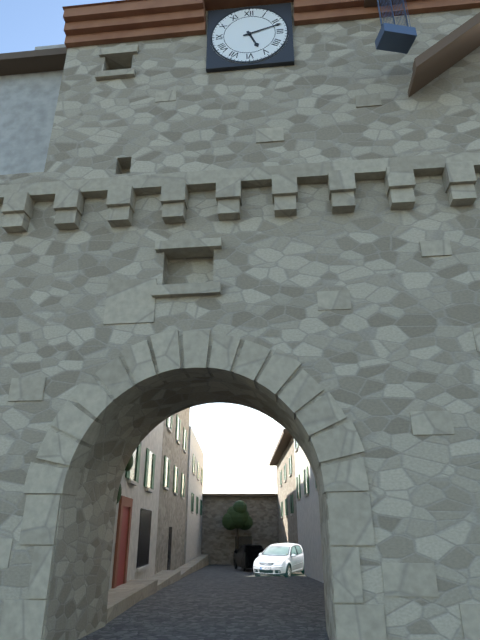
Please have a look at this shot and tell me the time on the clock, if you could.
5:12
